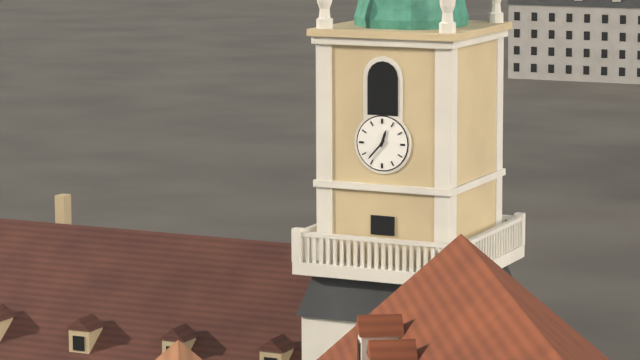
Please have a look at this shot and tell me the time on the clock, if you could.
12:37
